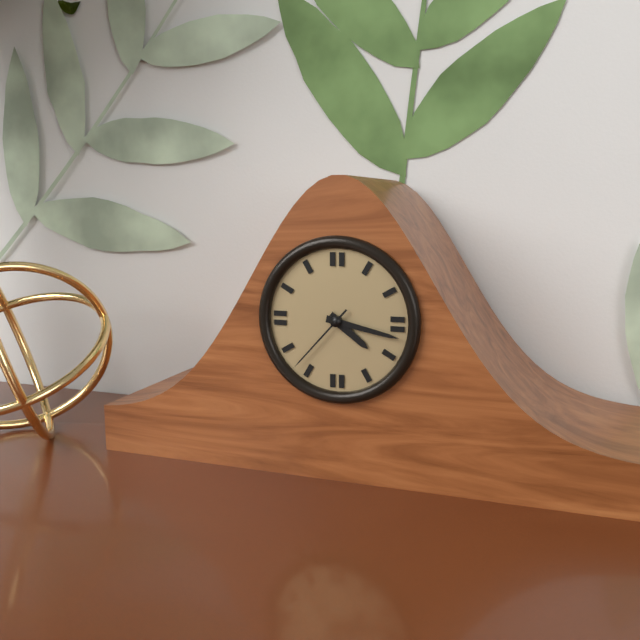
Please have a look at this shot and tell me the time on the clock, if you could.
4:17:37
